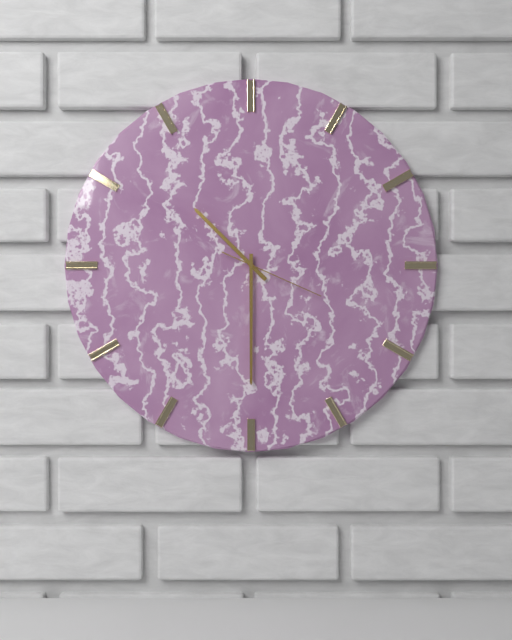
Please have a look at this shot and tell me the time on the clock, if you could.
10:30:19
